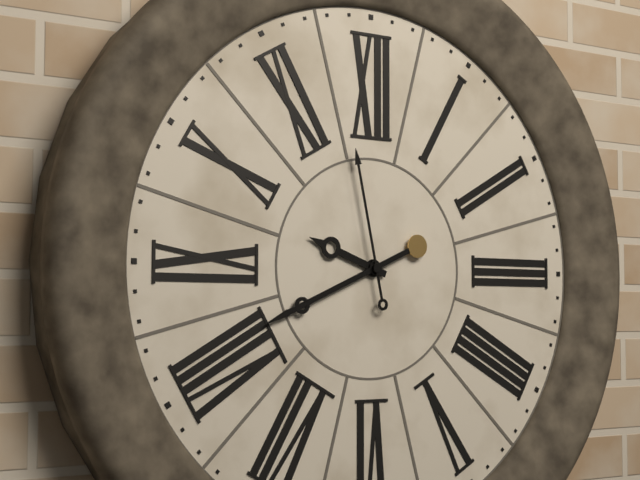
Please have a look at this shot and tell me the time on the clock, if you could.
9:41:58
